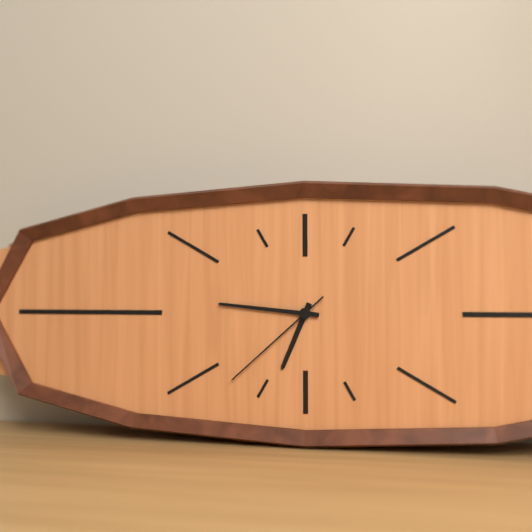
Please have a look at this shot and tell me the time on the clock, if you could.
6:46:38
